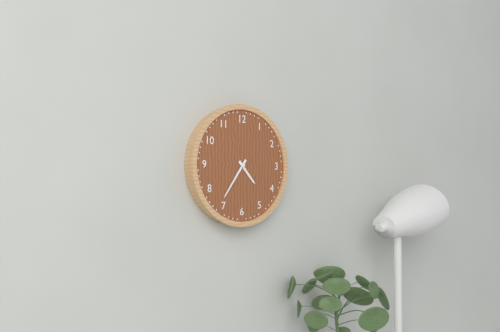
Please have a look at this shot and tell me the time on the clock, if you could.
4:36
